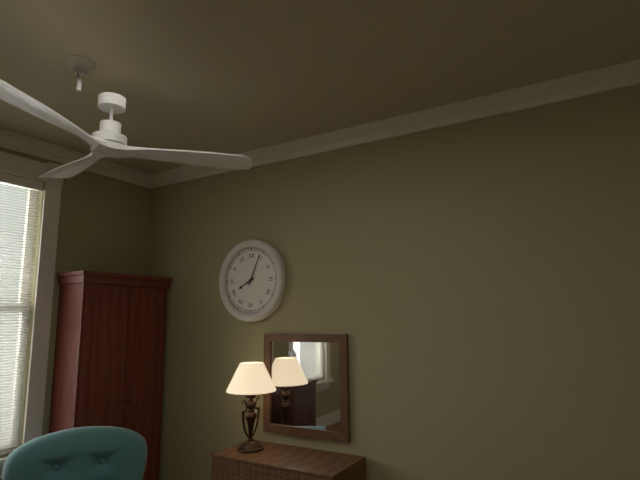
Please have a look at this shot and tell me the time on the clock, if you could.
8:04
